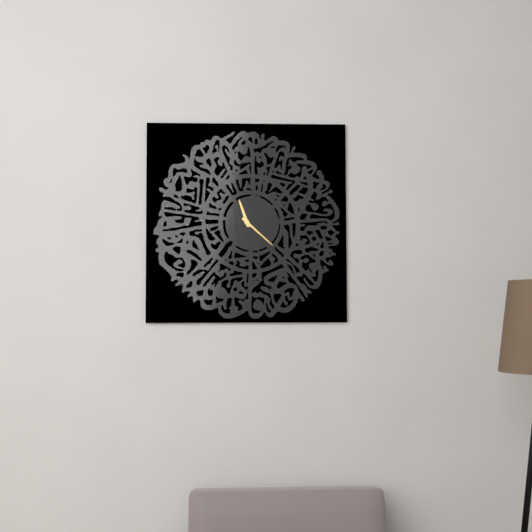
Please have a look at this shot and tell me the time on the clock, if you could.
11:22
